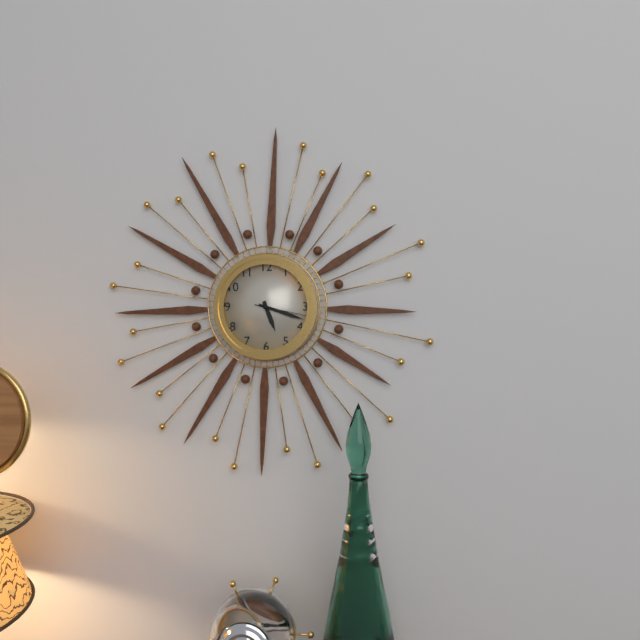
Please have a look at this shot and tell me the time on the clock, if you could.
5:18:17
